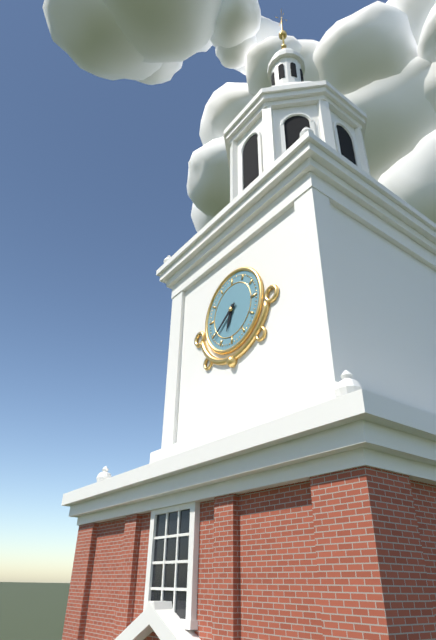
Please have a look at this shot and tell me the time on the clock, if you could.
6:39
